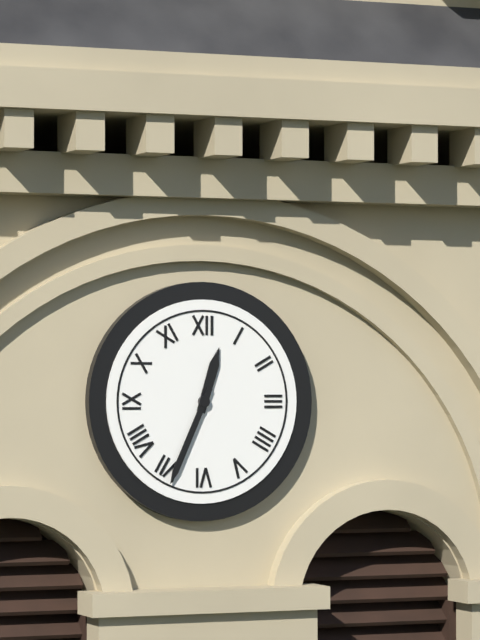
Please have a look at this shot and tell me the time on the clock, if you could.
12:34
